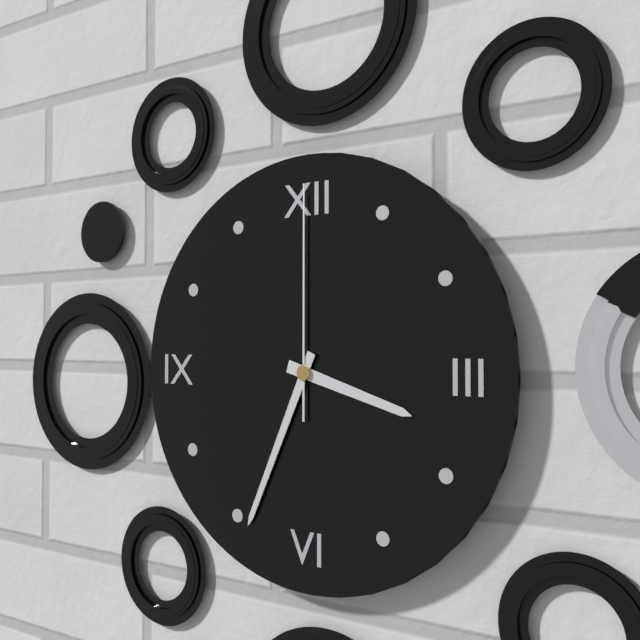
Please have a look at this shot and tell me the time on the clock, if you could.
3:34:00
